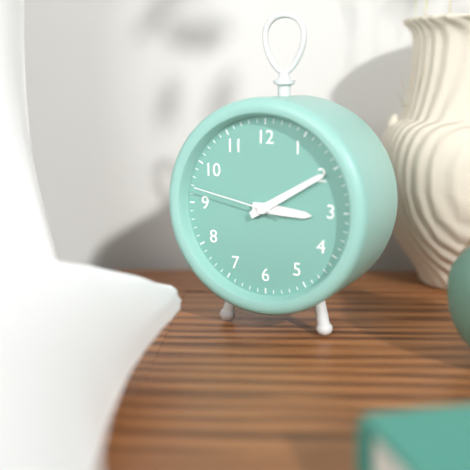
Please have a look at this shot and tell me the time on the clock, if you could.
3:10:47
